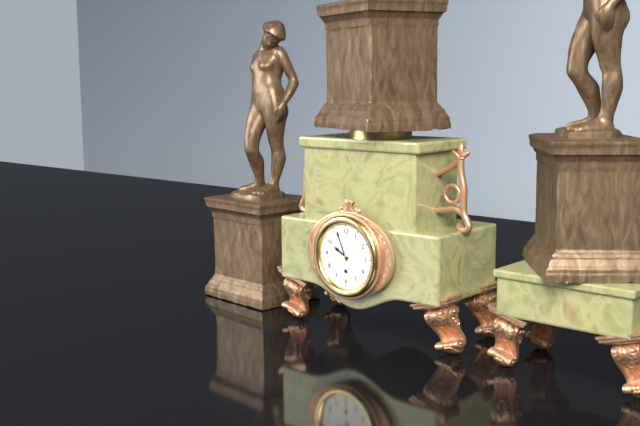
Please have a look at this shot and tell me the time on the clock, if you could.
9:56
